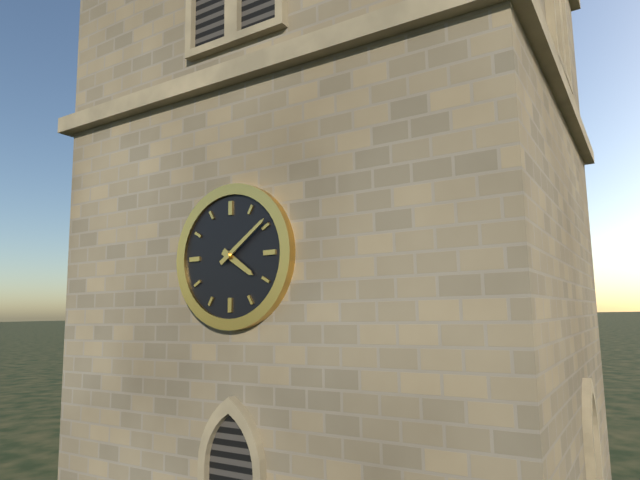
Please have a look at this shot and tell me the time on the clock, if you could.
4:09
